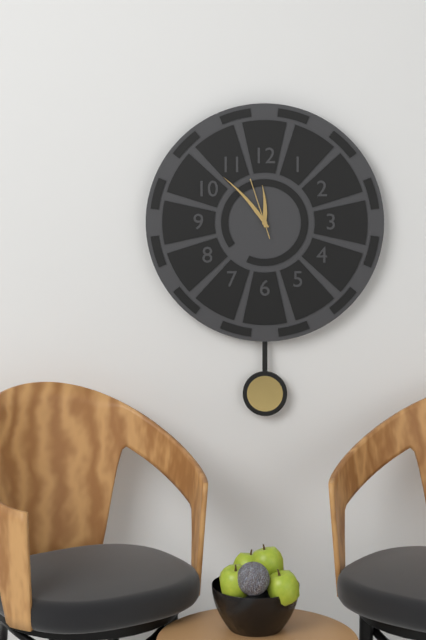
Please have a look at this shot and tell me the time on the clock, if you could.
11:53:57
